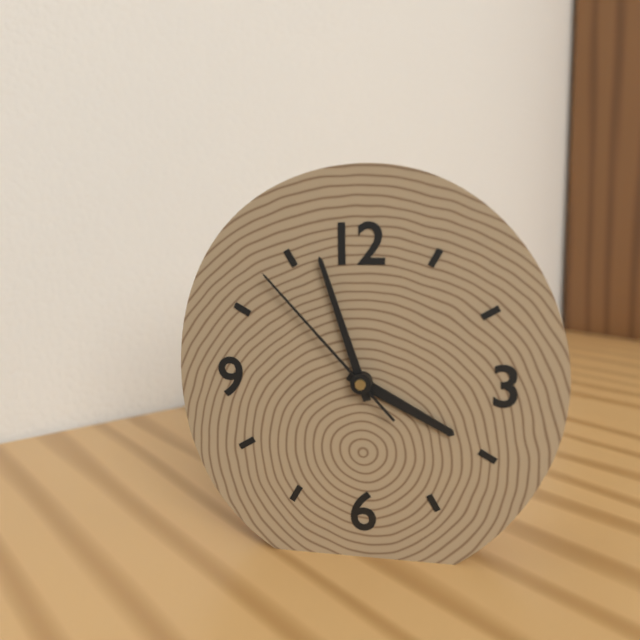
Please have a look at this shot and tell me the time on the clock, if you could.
3:57:53
